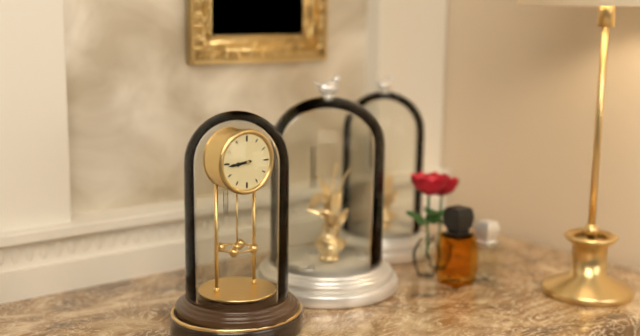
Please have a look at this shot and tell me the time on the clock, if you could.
8:44
